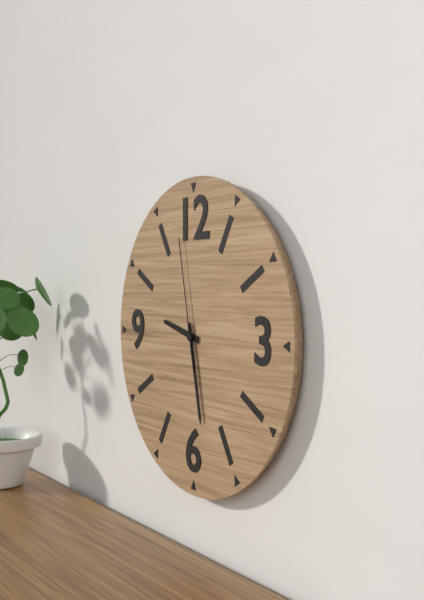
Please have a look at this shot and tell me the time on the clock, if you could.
9:28:58
